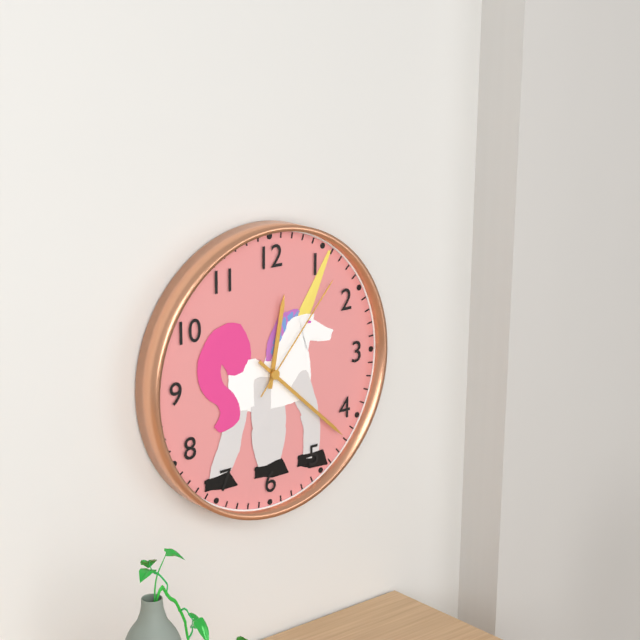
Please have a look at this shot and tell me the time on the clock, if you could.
12:22:07
